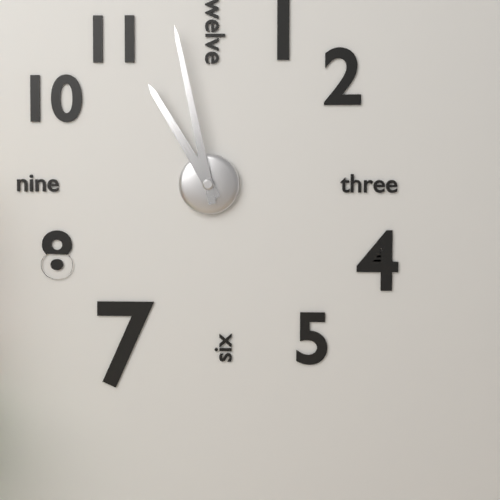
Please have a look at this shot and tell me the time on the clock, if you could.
10:58
